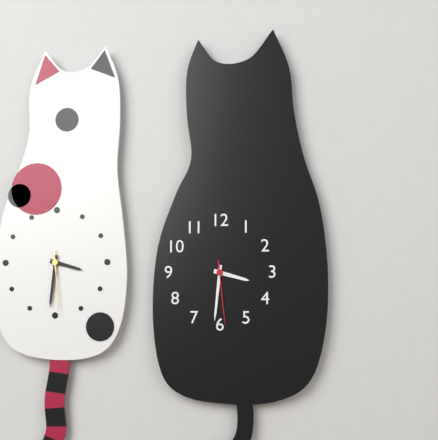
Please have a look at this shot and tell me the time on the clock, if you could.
3:31:29
